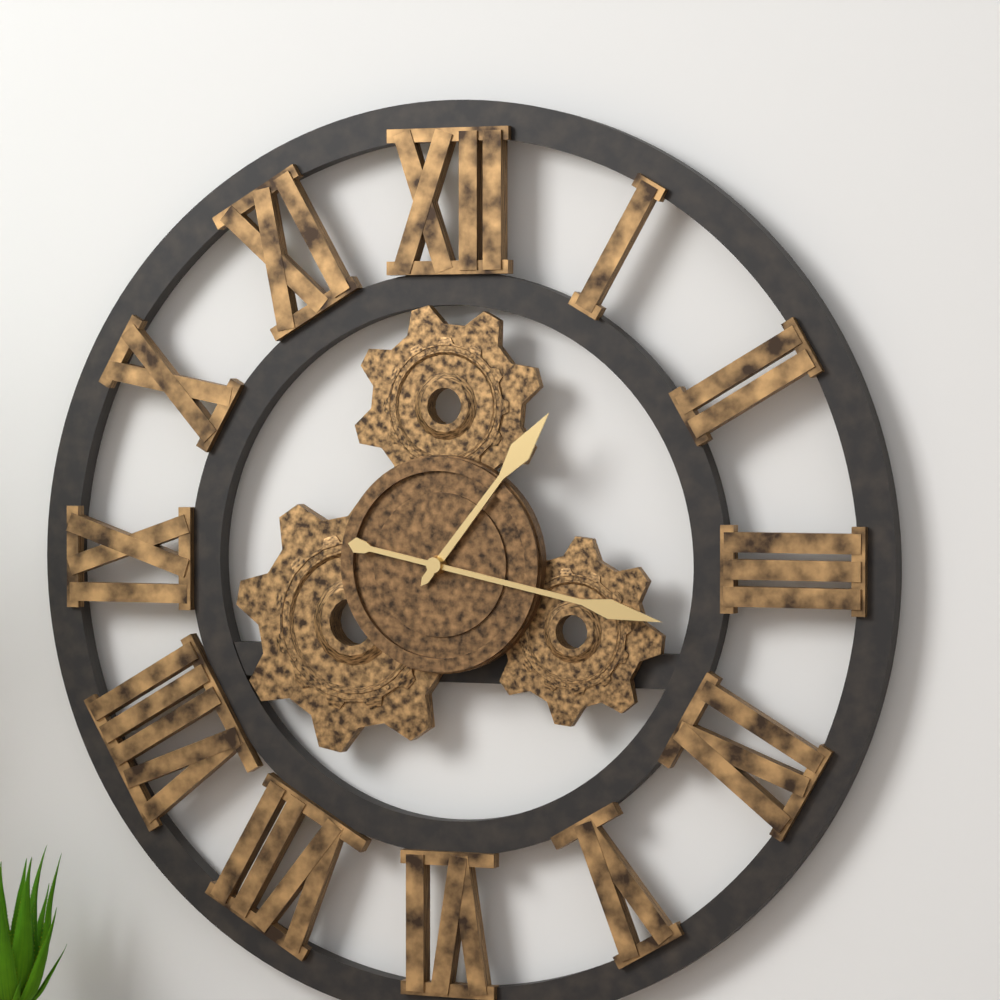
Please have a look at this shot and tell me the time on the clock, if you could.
1:17
